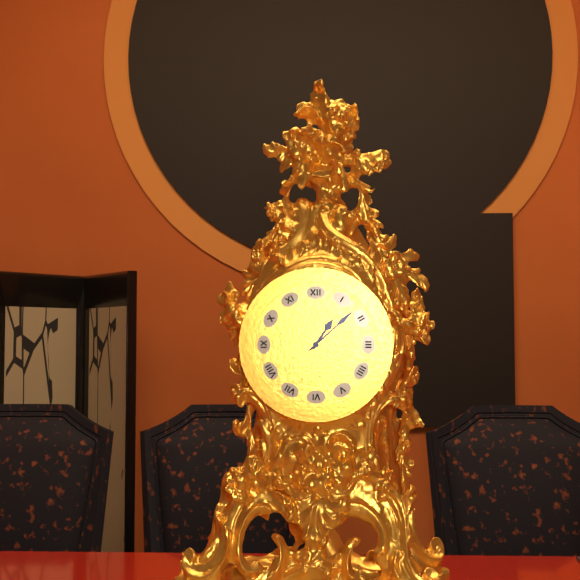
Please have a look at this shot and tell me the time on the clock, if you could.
1:08
